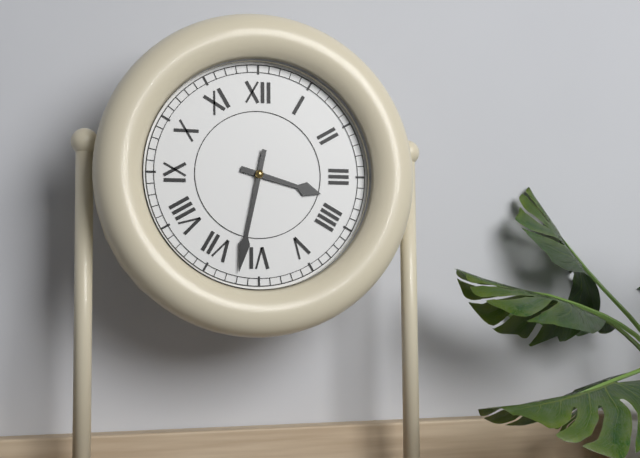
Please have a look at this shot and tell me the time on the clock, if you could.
3:32
